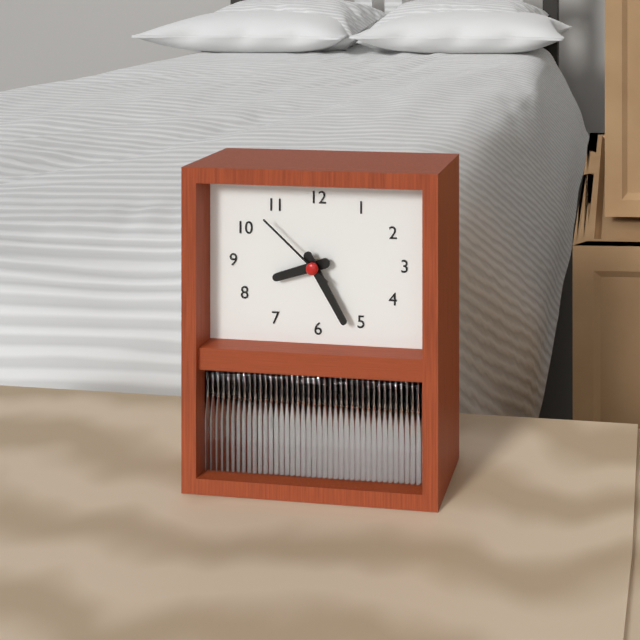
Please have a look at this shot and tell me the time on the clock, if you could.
8:25:52
